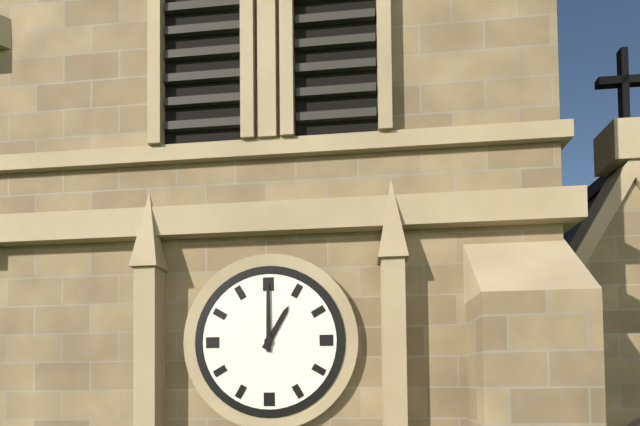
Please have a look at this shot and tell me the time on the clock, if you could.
1:00
